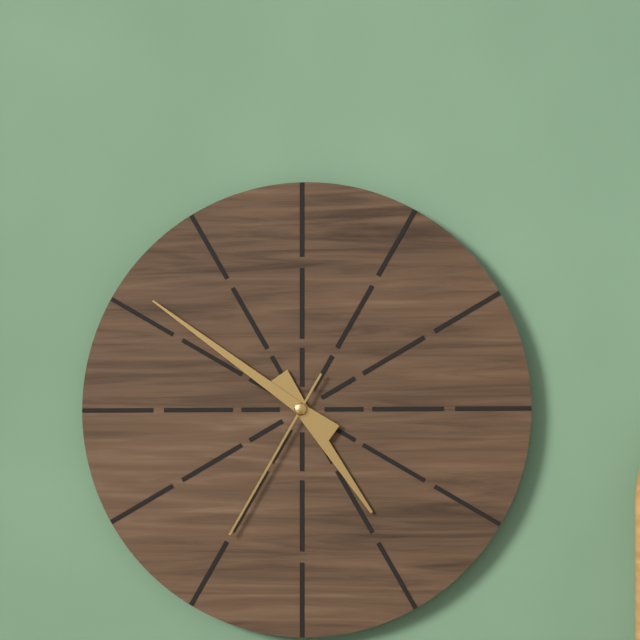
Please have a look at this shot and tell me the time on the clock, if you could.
4:51:35
